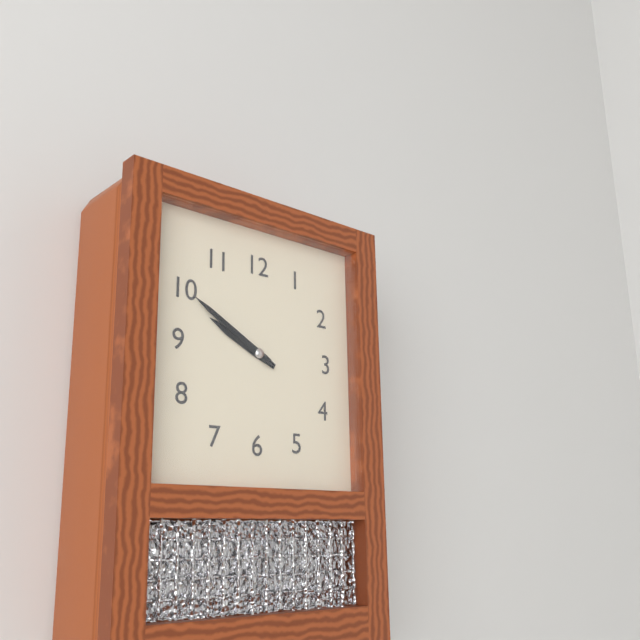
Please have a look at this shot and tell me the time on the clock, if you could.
9:50
